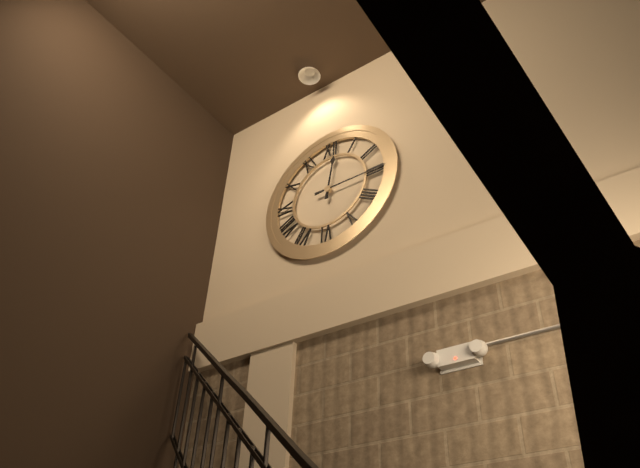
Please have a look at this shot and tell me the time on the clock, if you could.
12:15
